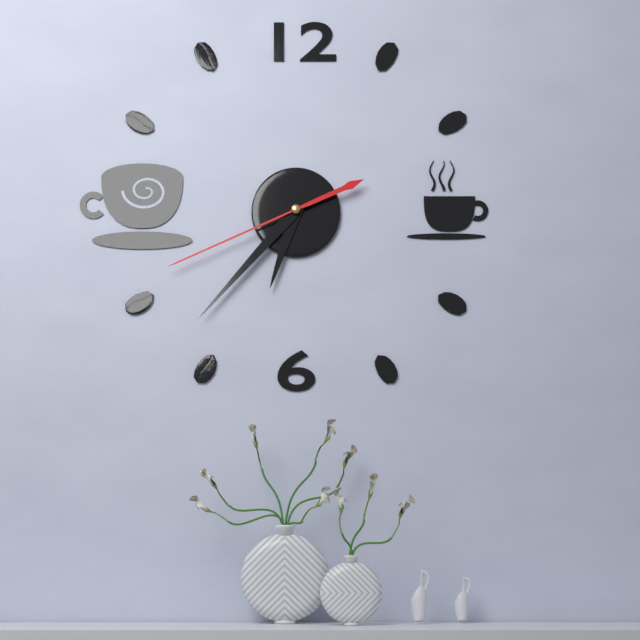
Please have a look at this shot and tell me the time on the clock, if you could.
6:37:41
